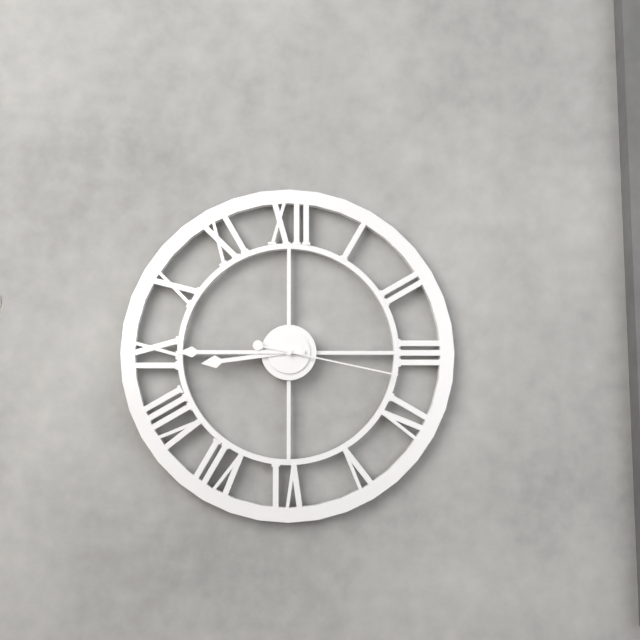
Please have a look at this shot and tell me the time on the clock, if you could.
8:45:17
